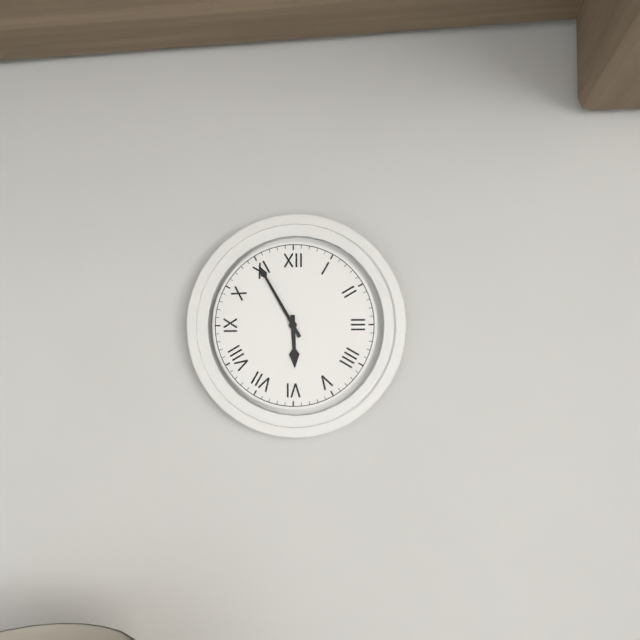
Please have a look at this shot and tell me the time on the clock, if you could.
5:55
